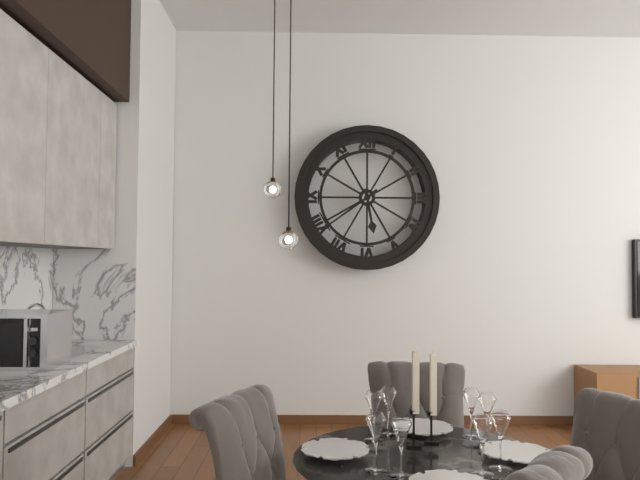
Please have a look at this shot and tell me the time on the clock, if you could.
5:39
